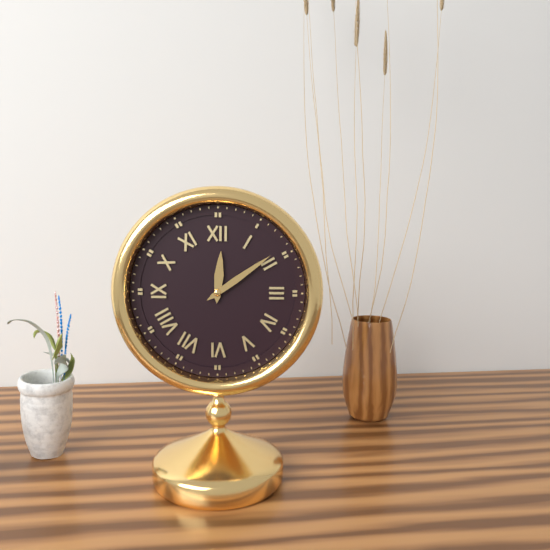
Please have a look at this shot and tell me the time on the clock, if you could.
12:09
